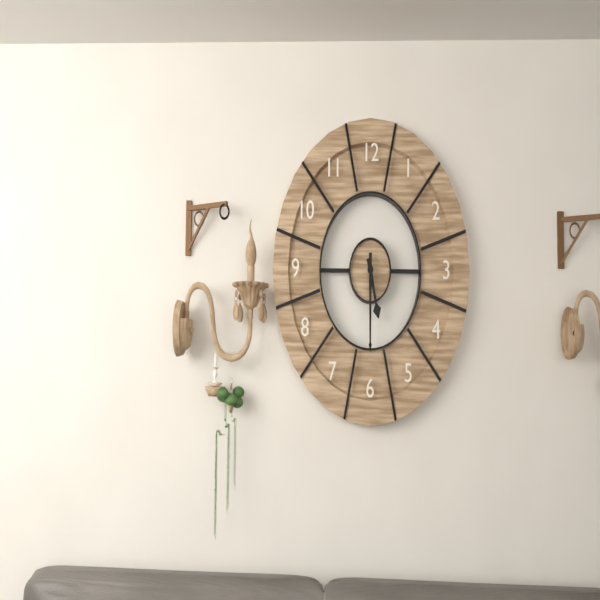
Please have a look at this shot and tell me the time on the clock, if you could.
5:30
